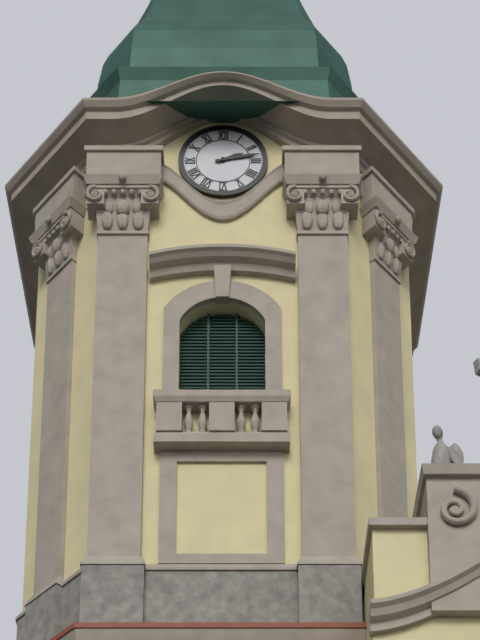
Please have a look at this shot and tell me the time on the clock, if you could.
2:13
